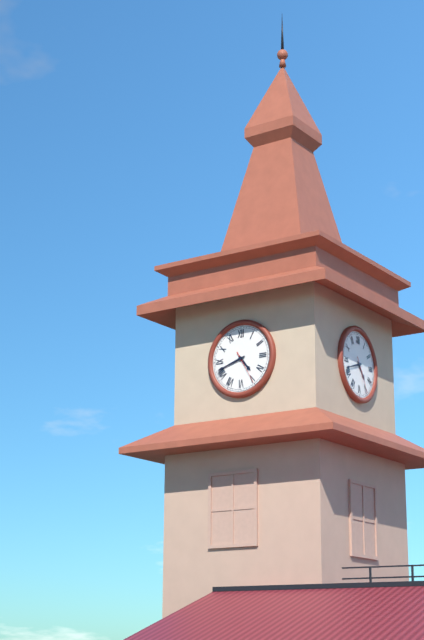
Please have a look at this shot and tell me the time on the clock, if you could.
4:42
